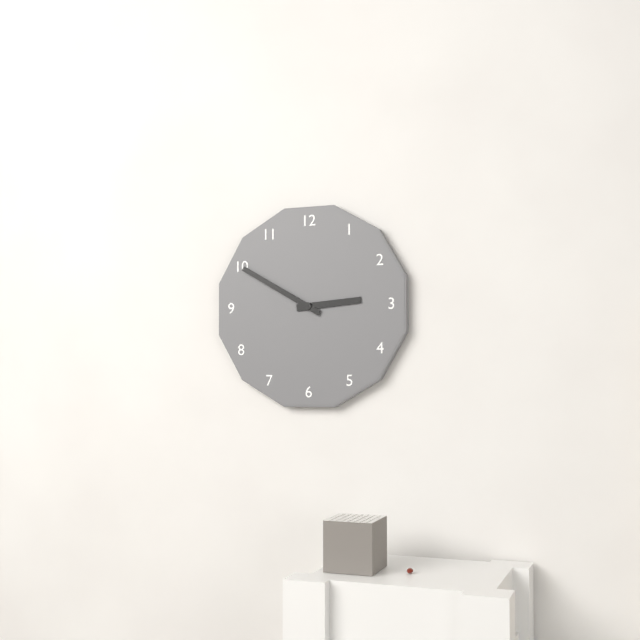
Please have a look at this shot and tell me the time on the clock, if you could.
2:50
